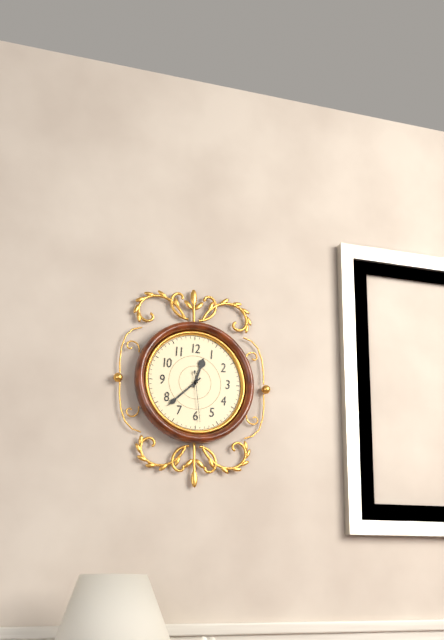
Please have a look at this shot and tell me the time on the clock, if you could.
12:38:29
